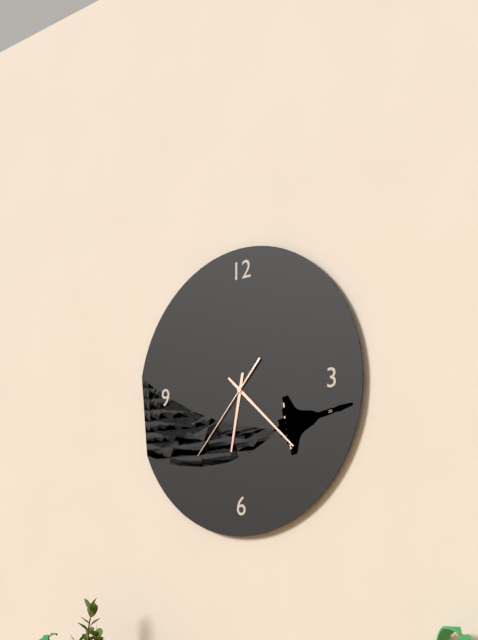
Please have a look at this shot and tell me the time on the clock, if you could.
6:22:37
